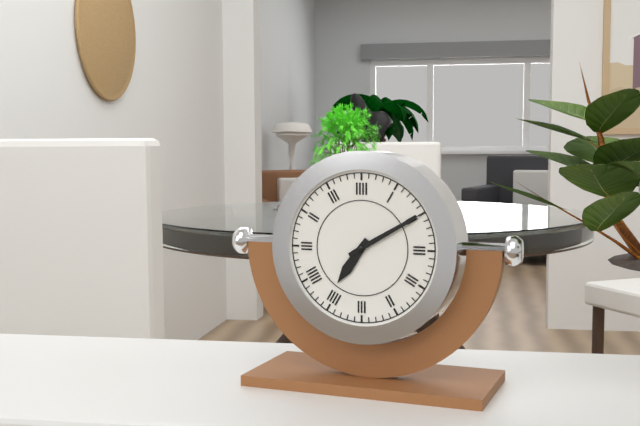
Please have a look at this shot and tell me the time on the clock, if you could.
7:10
